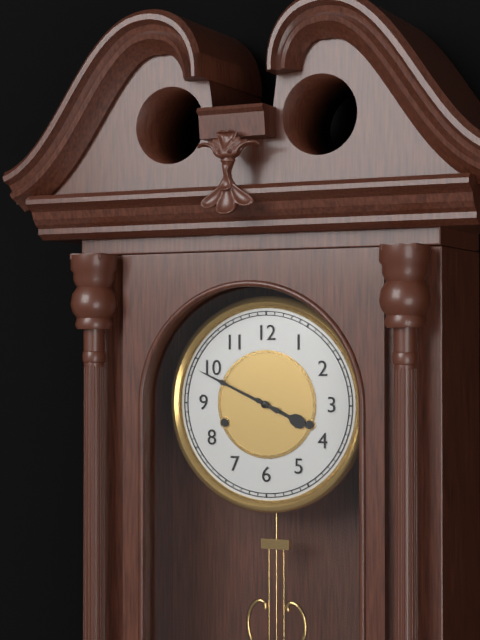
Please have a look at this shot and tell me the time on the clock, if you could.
3:49
